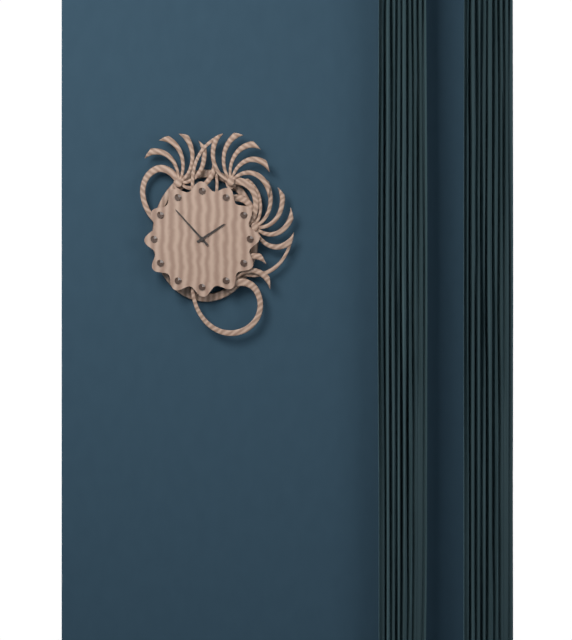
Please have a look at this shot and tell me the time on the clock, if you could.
1:53
